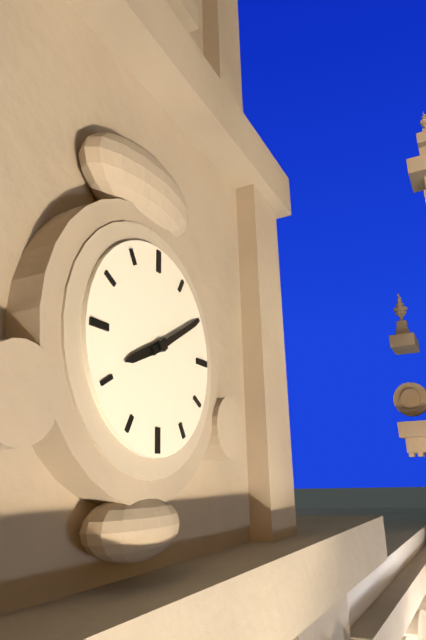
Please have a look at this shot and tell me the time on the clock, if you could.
8:10
